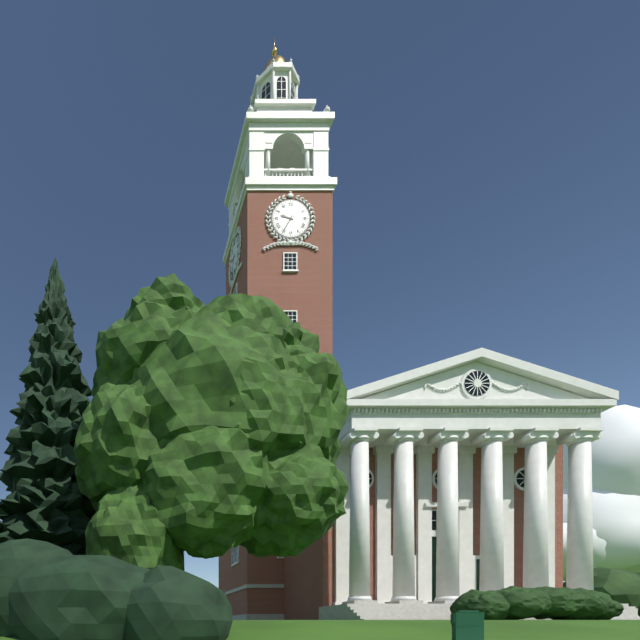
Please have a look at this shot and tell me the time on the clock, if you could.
9:35
